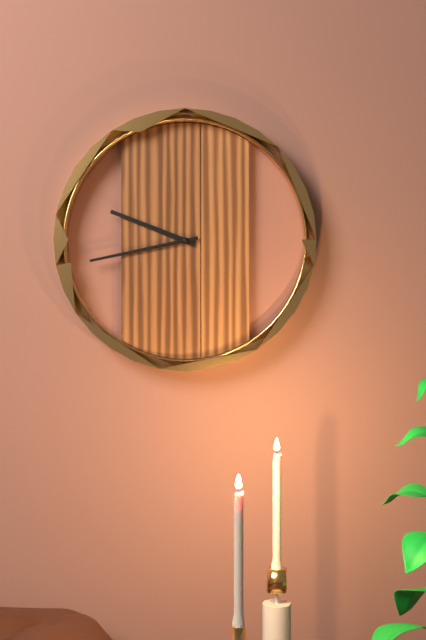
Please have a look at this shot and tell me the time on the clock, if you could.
9:43
